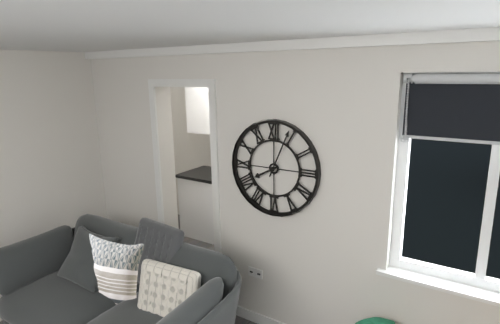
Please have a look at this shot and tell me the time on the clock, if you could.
8:04
